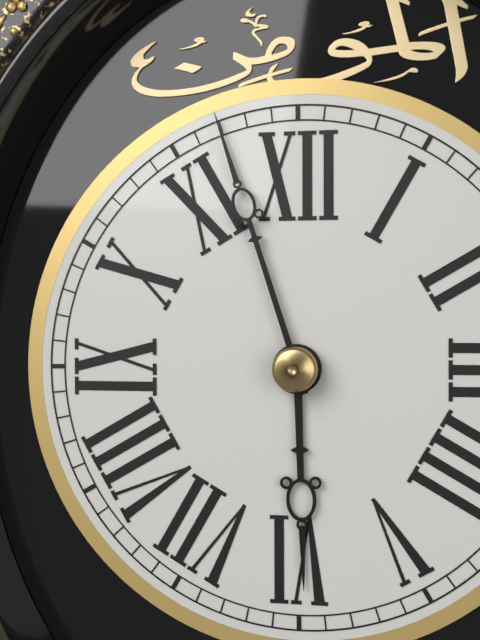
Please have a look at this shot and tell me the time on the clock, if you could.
5:57
